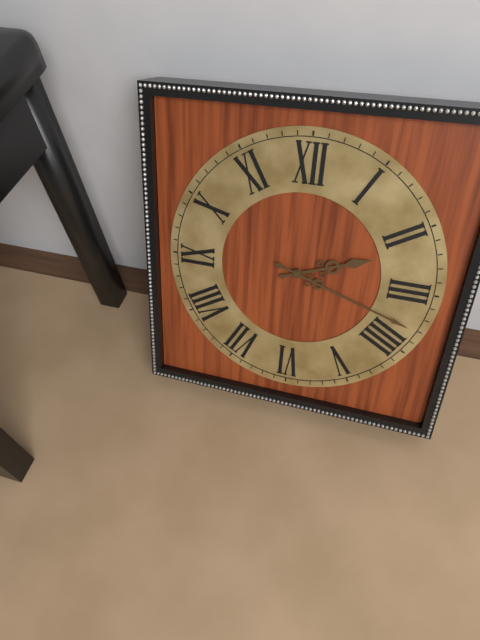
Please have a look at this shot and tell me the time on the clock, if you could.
2:18
